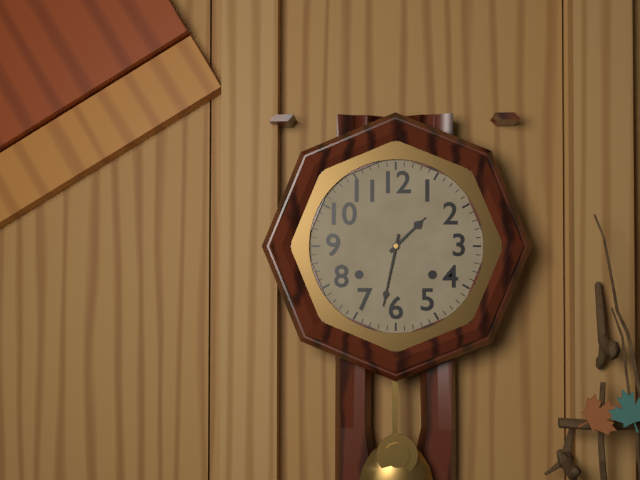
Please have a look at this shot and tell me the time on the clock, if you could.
1:32
